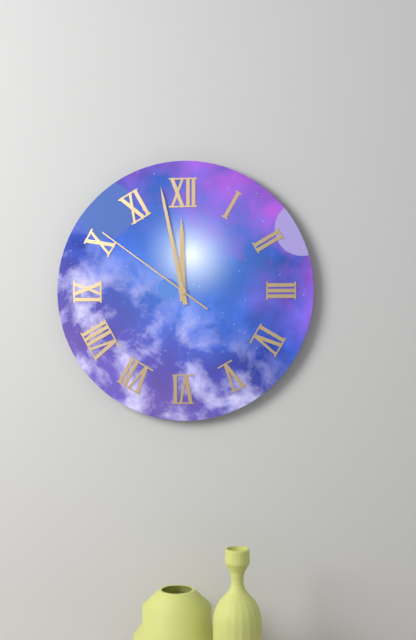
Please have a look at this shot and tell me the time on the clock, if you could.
11:58:51
